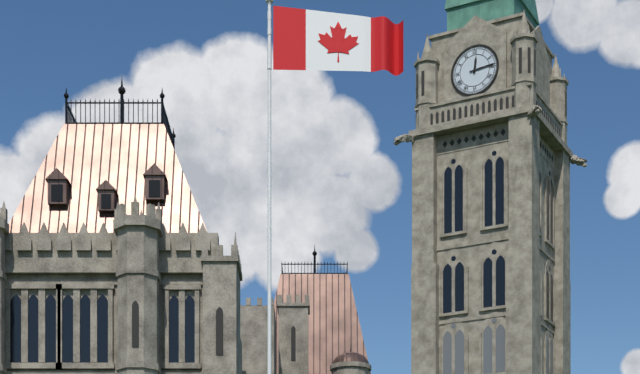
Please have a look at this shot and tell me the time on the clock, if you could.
12:14
